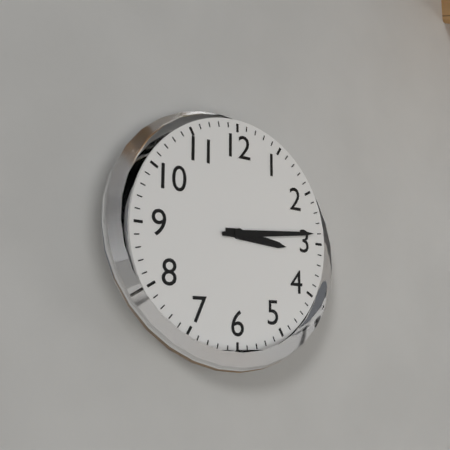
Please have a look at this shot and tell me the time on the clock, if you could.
3:14
